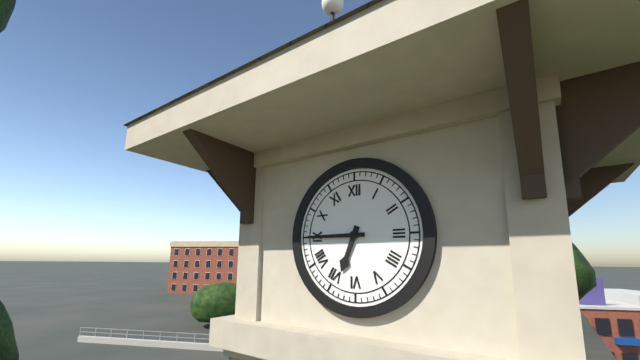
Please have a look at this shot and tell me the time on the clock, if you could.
6:45
